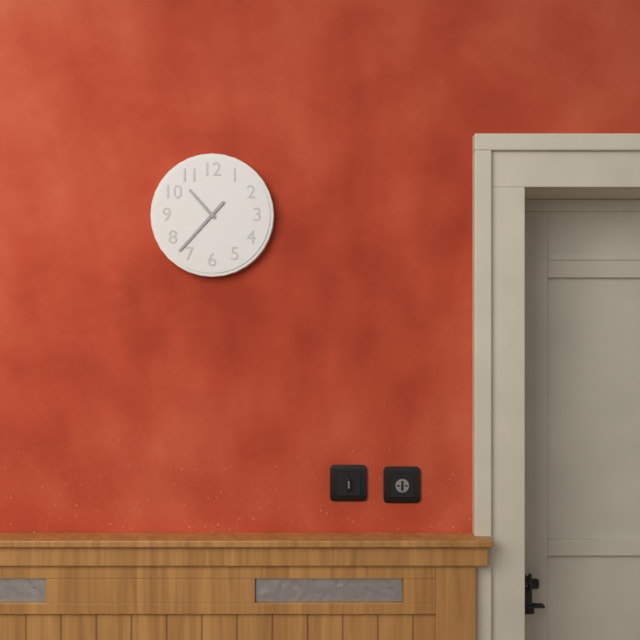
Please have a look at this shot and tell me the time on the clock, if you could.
10:37
